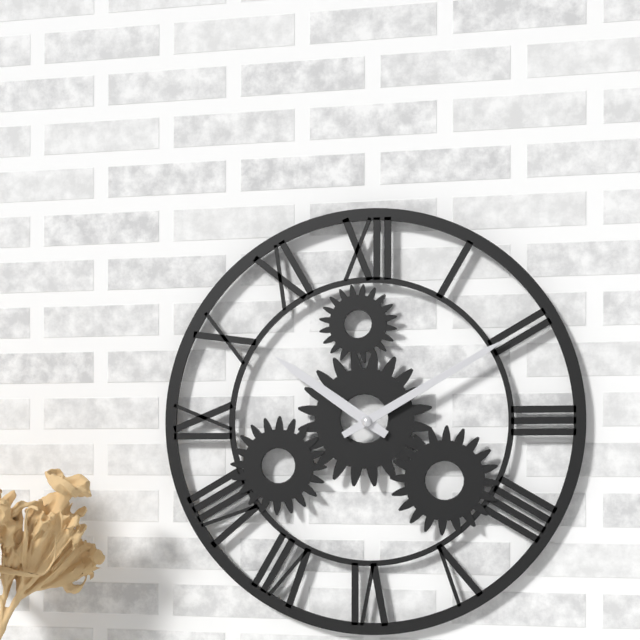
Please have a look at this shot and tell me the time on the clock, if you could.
10:10
